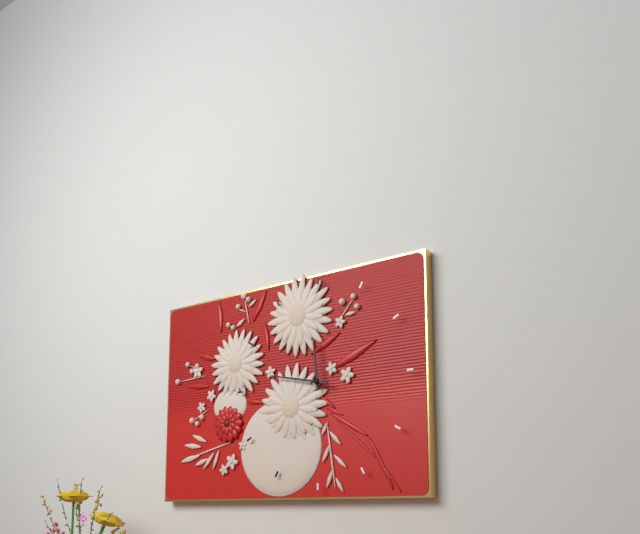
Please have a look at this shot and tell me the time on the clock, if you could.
11:47
